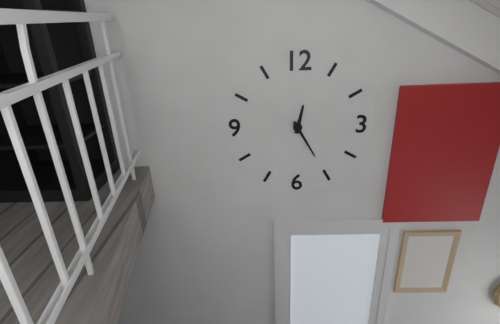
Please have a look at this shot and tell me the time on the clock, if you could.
12:25
